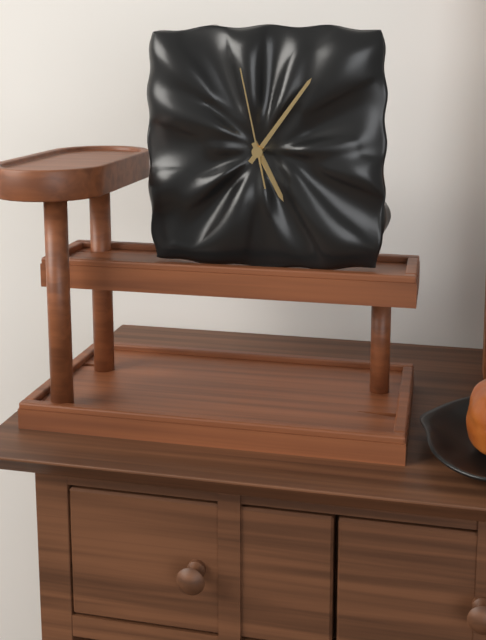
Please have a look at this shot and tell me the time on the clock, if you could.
5:06:58
